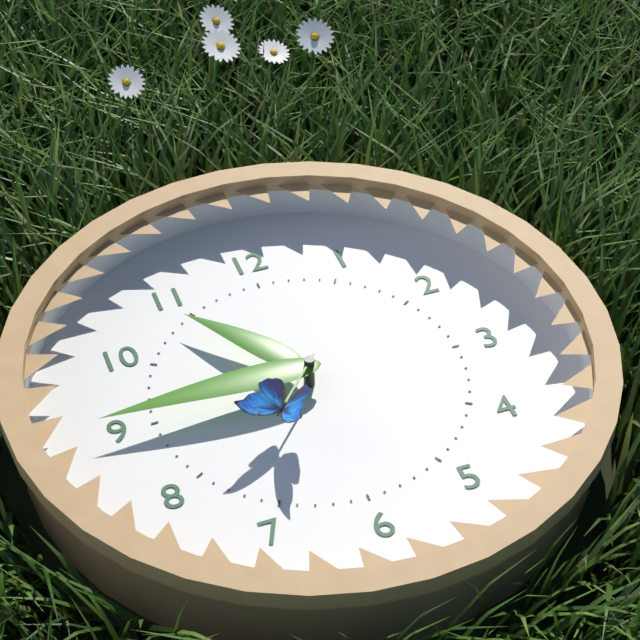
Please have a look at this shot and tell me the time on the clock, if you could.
10:45:37
